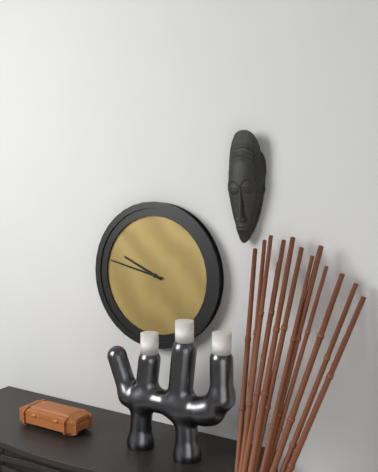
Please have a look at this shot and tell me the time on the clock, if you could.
9:47
